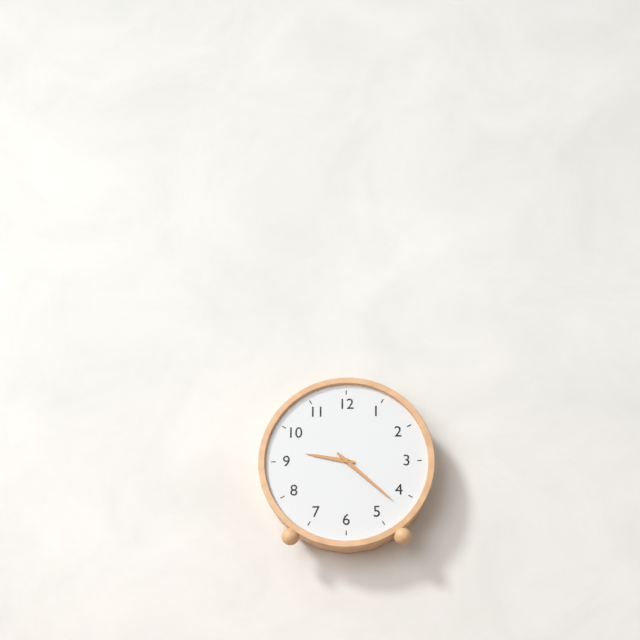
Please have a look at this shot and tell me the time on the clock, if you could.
9:22
